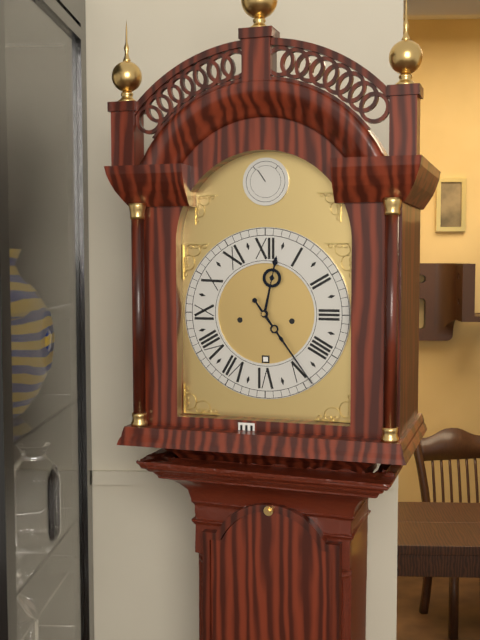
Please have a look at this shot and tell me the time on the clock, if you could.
12:24
